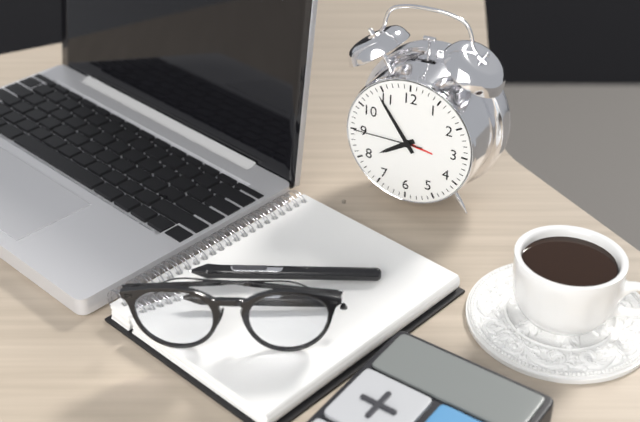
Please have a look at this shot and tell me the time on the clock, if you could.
7:54:45
